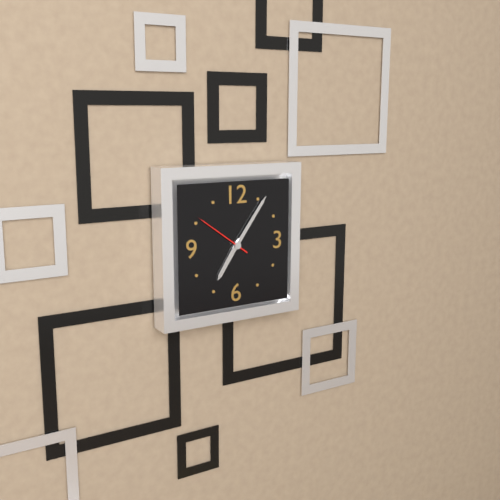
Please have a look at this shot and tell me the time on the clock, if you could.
7:06:51
